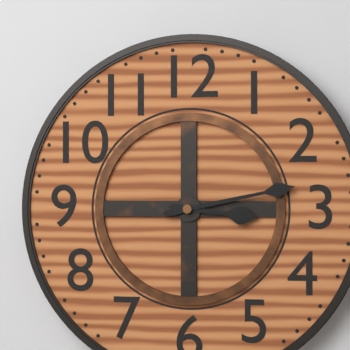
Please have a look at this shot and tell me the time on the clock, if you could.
3:13
